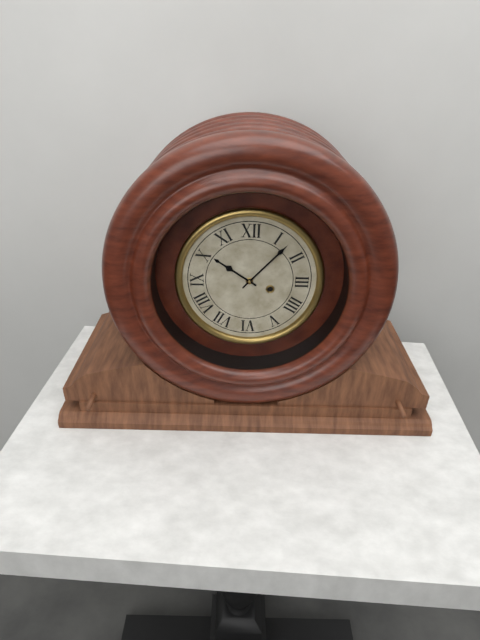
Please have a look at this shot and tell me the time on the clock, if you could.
10:07
